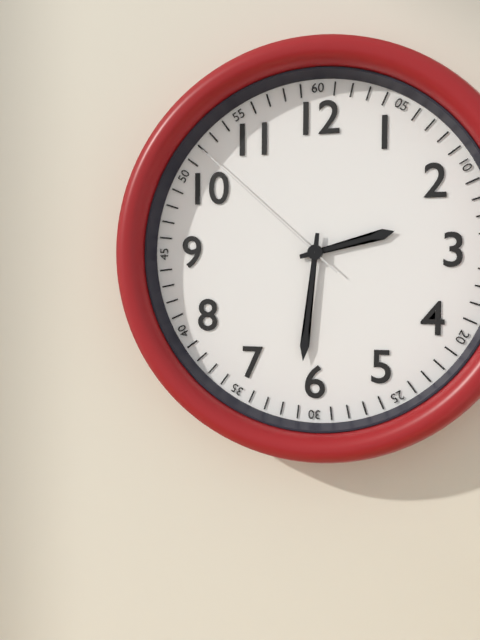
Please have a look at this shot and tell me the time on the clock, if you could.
2:31:52
